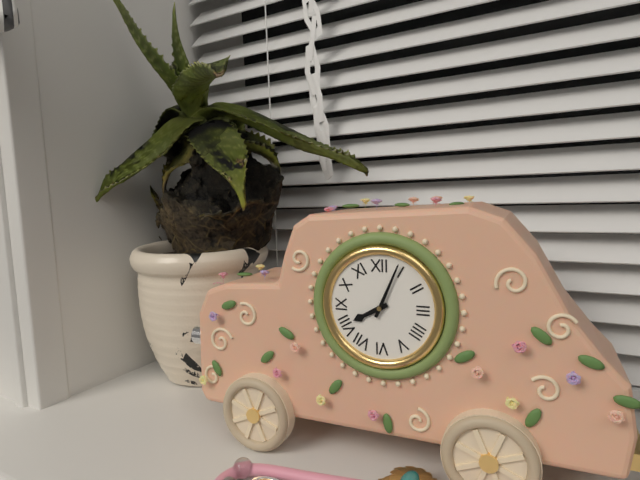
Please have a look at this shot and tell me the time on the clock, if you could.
8:04
